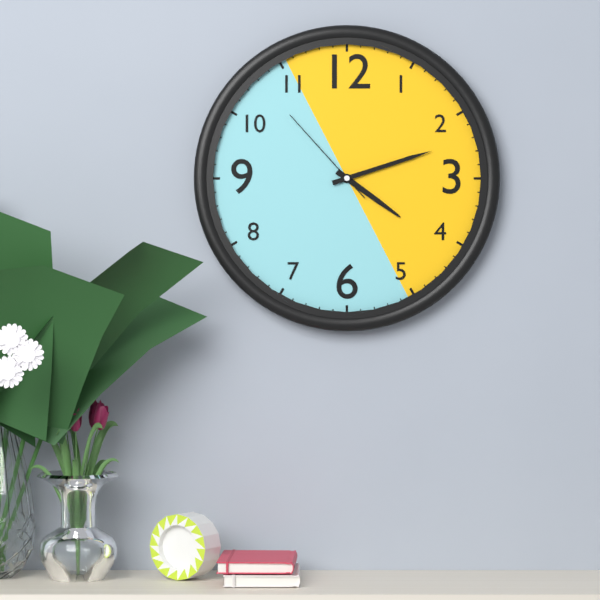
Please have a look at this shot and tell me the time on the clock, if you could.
4:12:53
